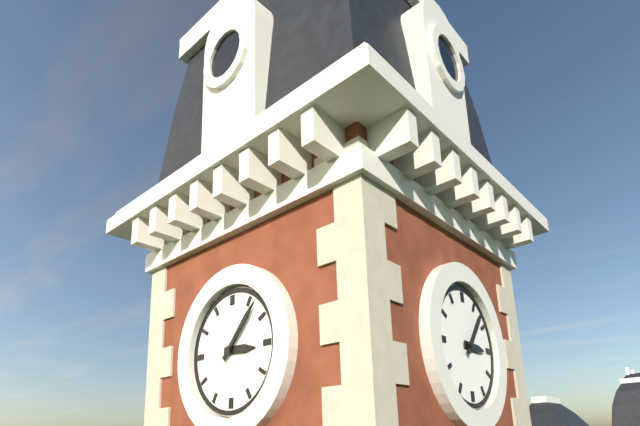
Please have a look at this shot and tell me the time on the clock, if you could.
3:07
